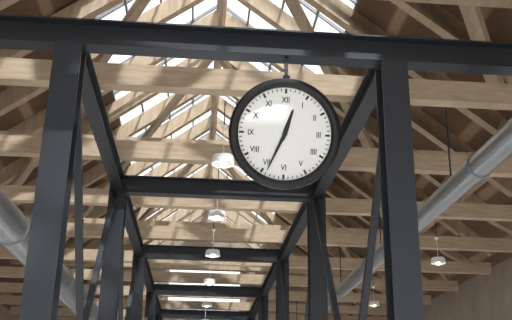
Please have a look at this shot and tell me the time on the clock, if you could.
12:34
